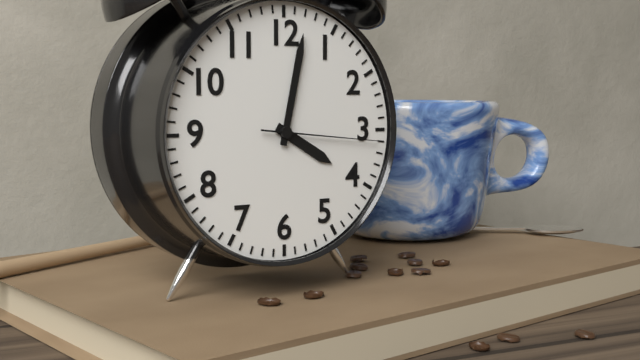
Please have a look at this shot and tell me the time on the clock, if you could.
4:02:16
